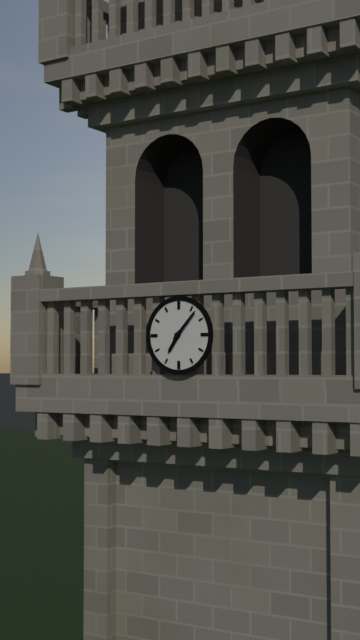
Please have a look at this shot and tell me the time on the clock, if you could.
7:07
